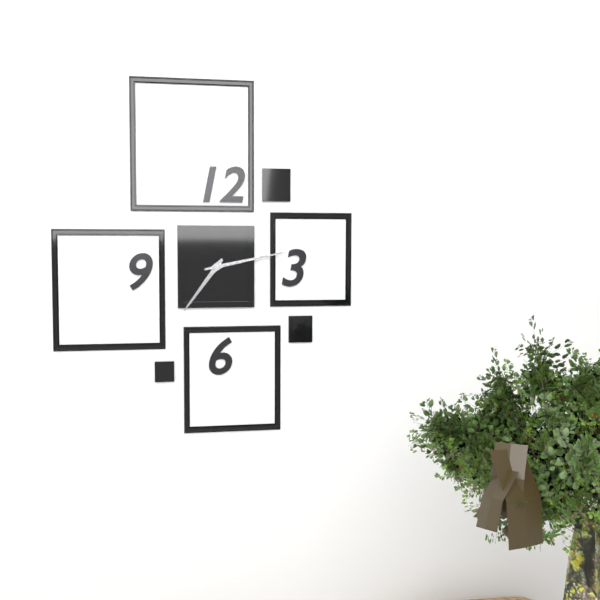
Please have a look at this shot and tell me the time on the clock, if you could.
7:13
